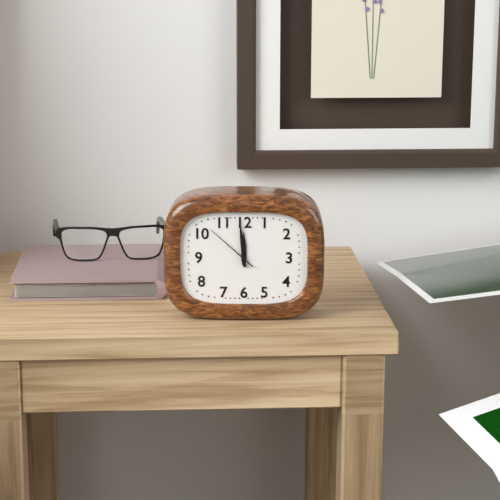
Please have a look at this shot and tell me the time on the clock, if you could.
11:59:52
